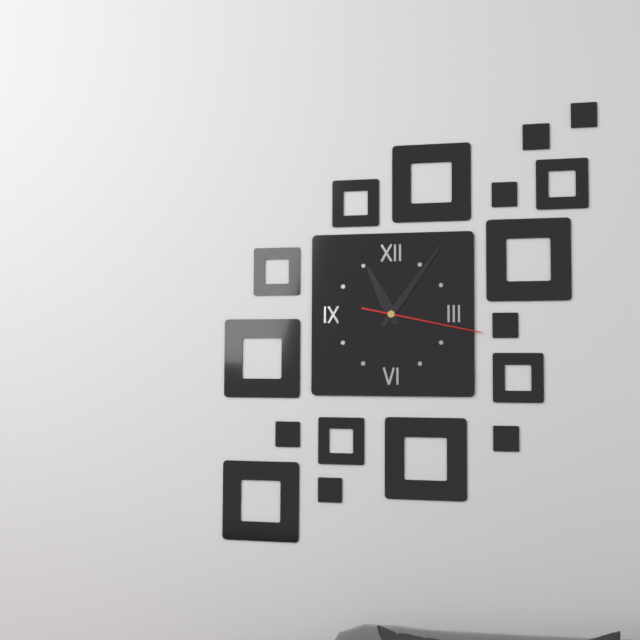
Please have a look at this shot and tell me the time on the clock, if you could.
11:06:17
